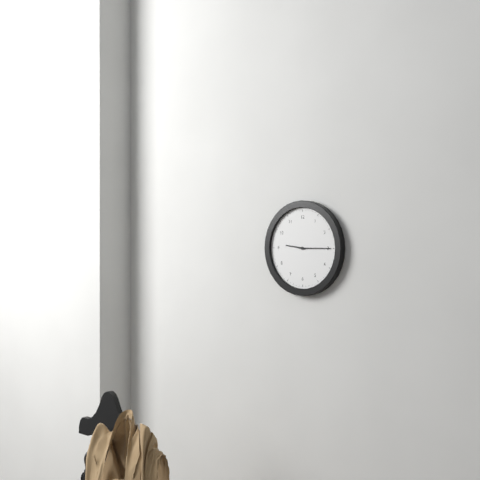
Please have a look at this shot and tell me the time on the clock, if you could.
9:15
